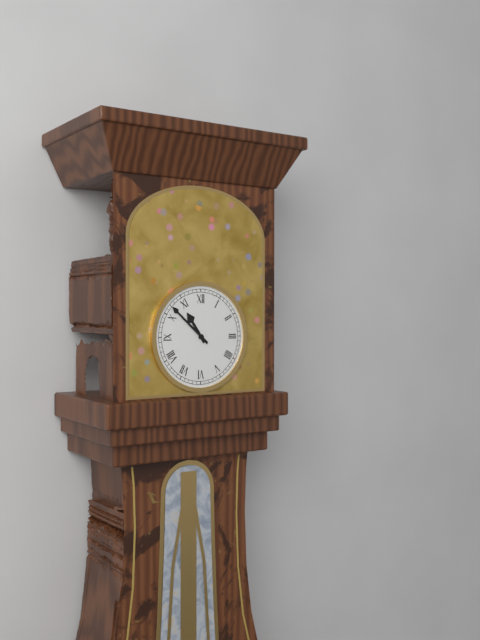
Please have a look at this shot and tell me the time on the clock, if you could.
10:52
